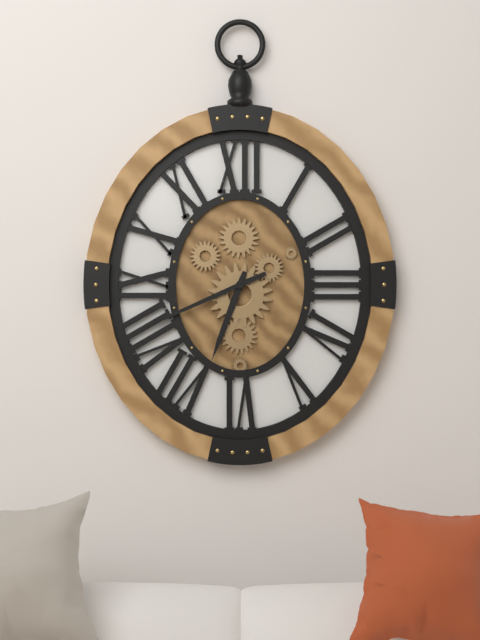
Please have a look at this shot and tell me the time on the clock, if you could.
6:41
